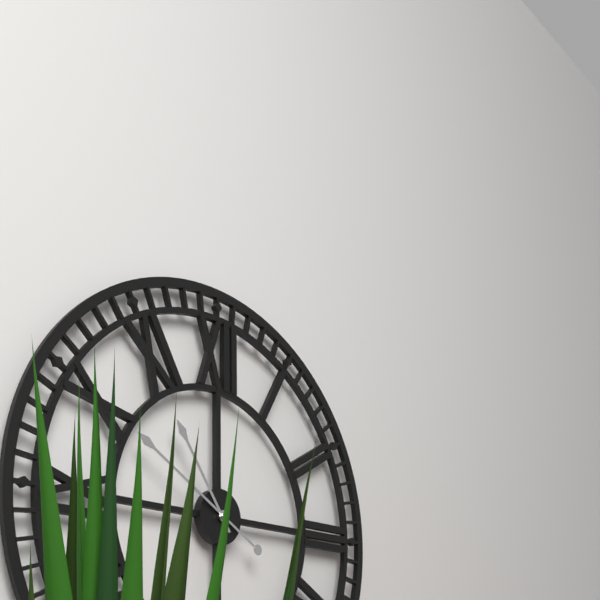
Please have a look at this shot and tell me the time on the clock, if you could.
10:50
